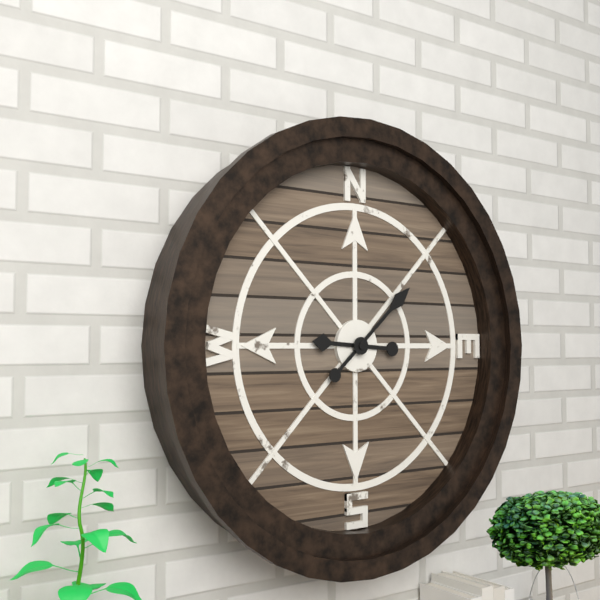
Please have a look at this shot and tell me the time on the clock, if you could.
9:08
